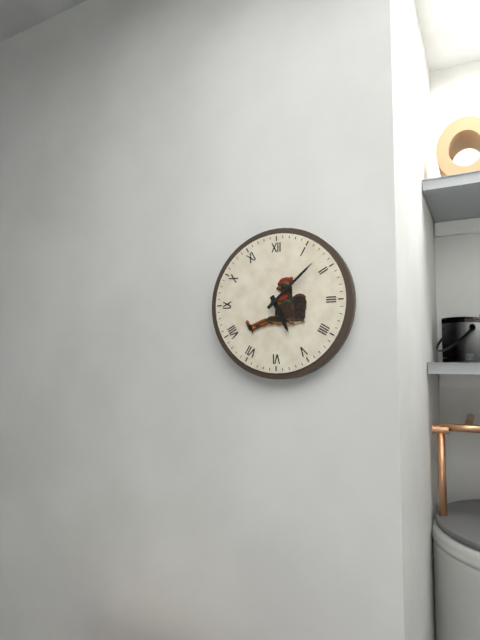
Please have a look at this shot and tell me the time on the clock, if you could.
5:08
